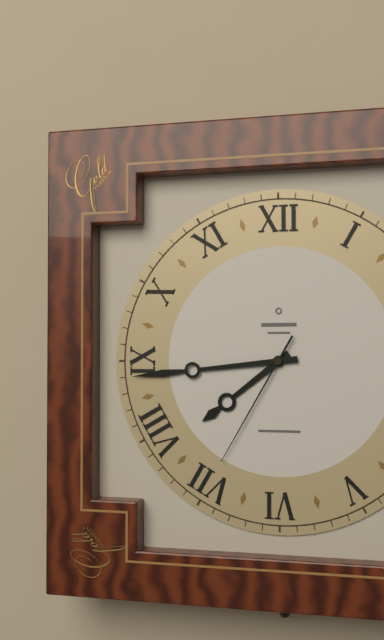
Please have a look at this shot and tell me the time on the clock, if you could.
7:44:35
